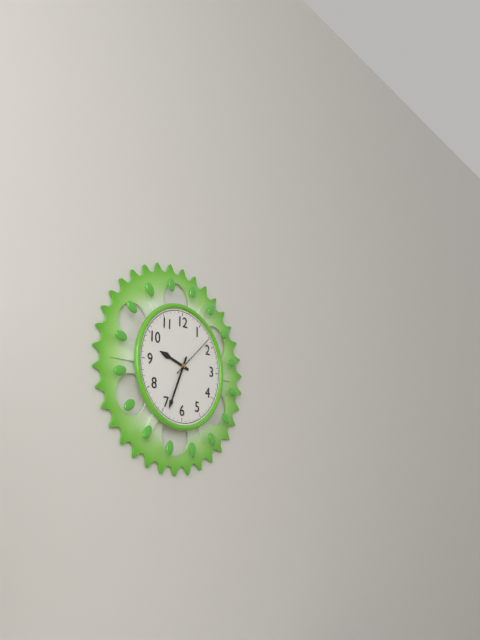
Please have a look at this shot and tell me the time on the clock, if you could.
9:34
